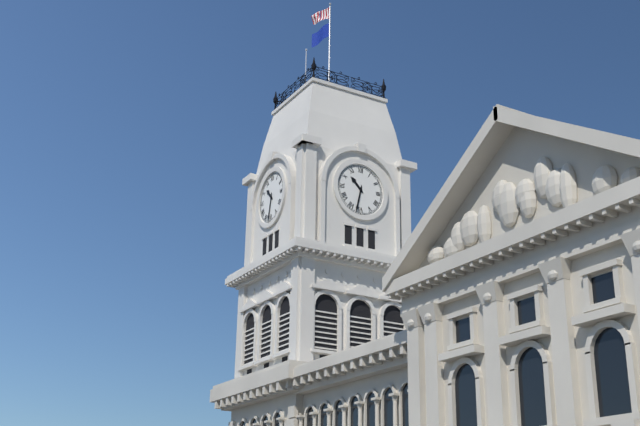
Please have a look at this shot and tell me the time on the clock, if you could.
10:32
